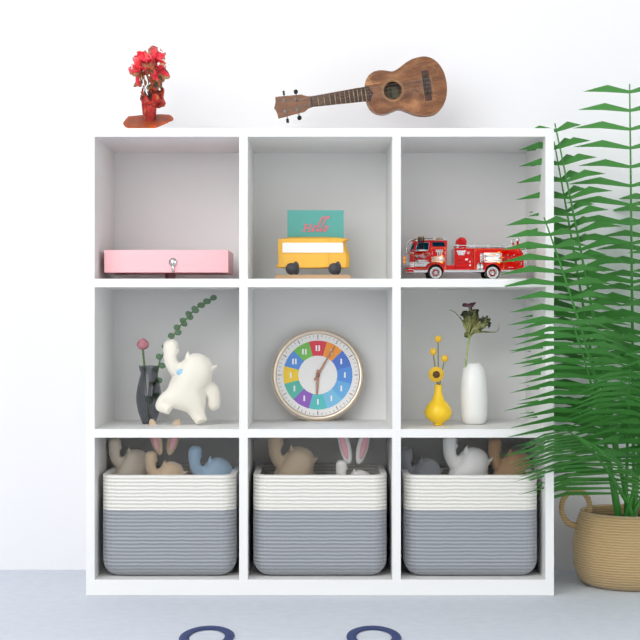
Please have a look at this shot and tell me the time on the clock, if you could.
6:05
